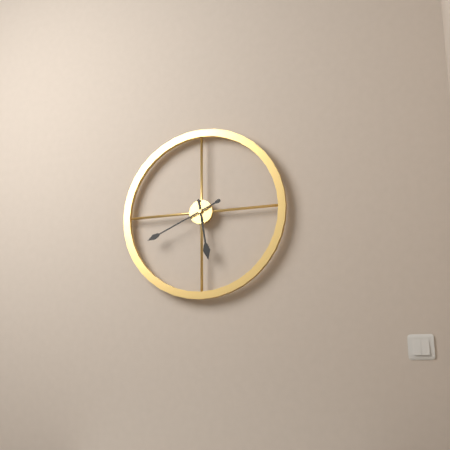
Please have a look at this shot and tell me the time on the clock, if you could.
5:41
